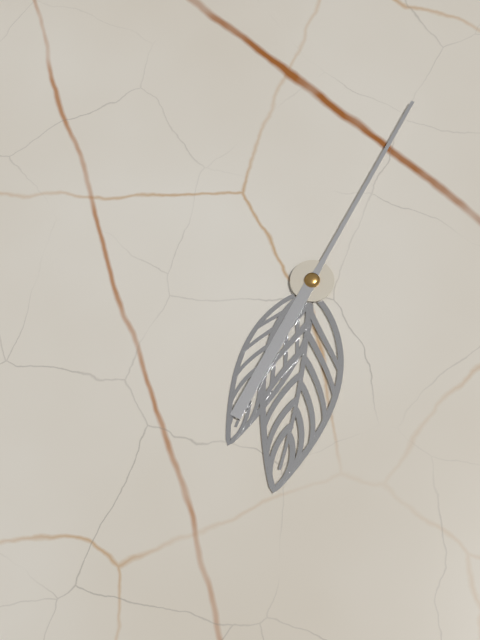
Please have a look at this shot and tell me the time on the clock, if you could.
2:08:41
